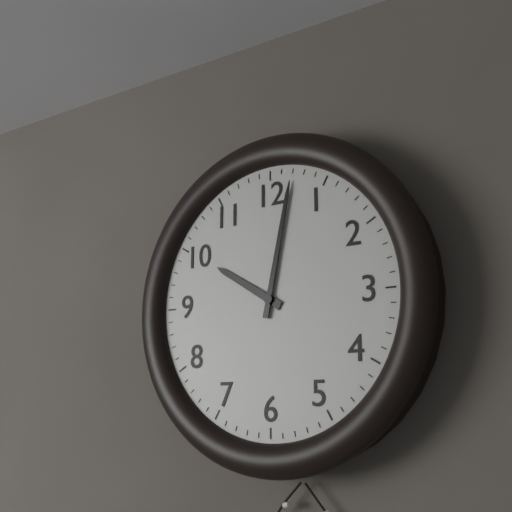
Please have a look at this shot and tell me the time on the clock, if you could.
10:02
